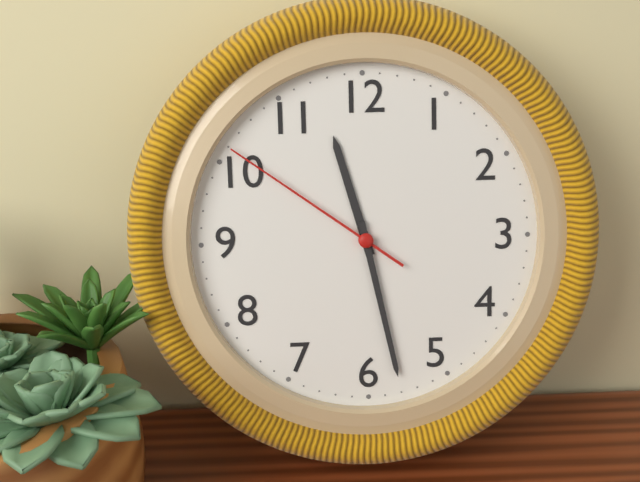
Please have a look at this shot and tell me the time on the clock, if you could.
11:28:51
